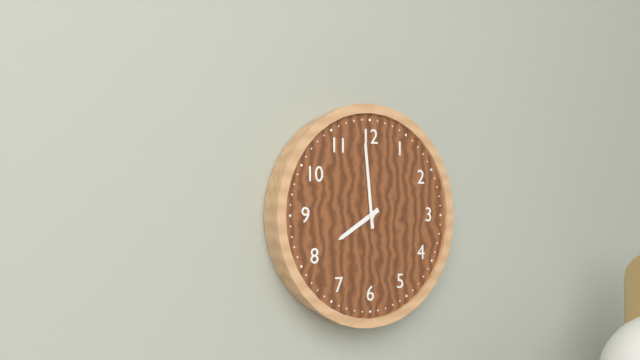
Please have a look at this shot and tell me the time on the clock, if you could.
7:59
